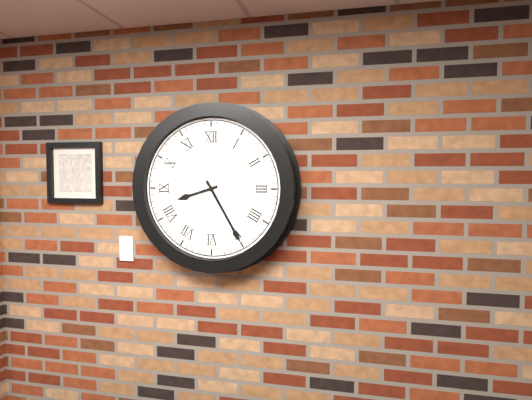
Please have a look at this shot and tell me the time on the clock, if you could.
8:25
